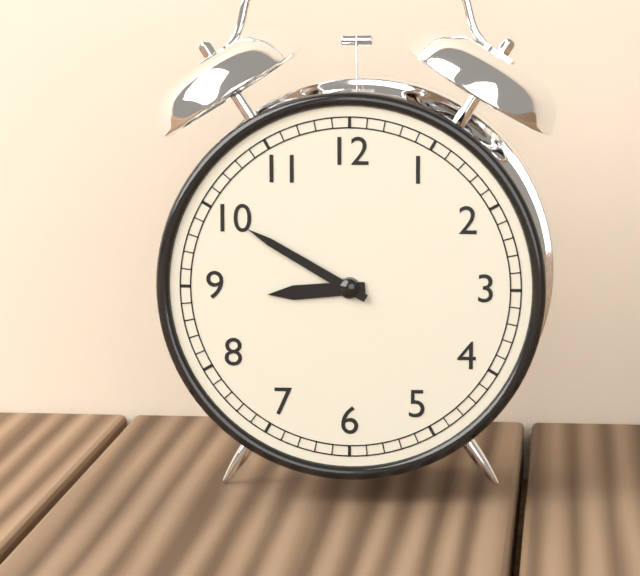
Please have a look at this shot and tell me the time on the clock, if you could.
8:50
